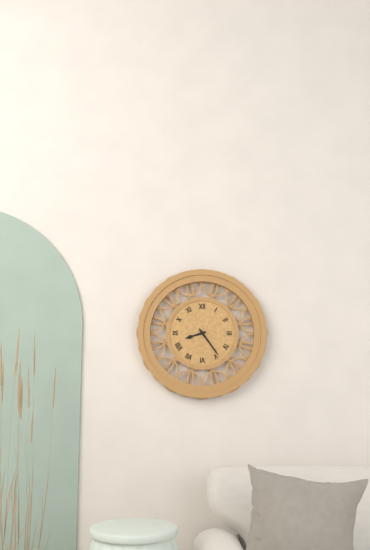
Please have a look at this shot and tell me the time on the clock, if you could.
8:24
